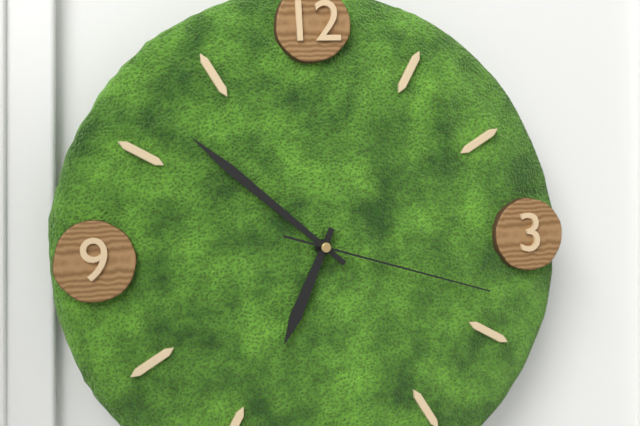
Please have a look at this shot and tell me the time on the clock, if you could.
6:52:18
